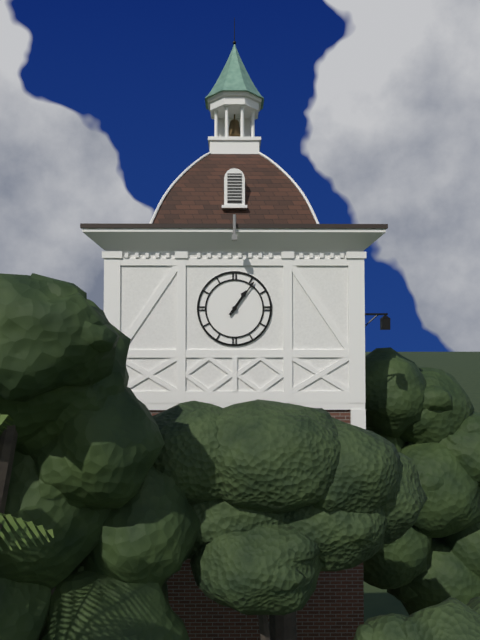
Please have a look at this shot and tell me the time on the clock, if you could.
1:06
